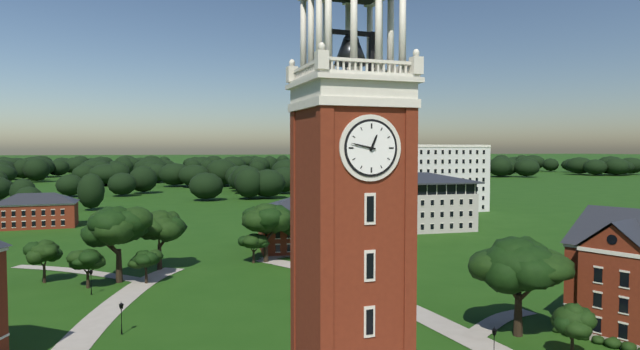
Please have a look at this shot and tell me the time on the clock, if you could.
12:47
